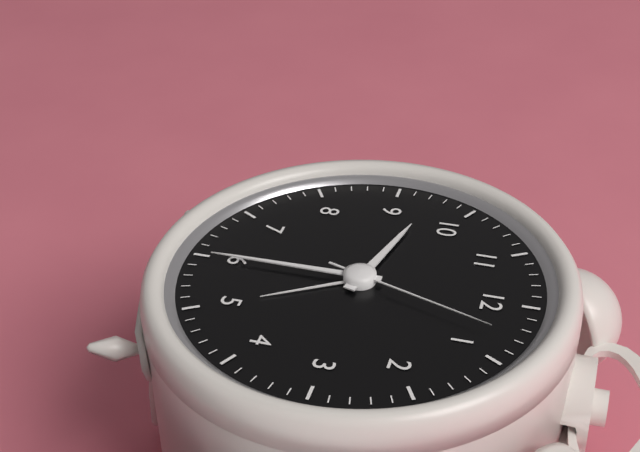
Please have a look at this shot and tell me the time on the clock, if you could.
9:30:03
